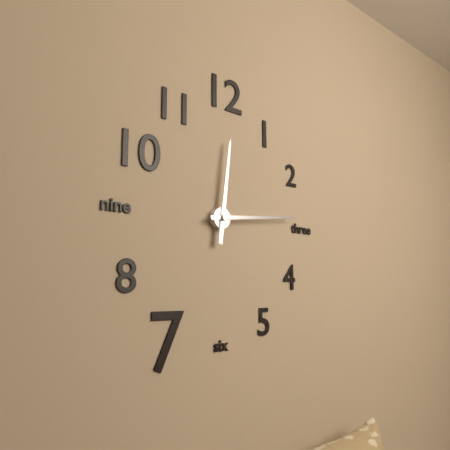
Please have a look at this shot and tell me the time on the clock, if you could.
12:14
